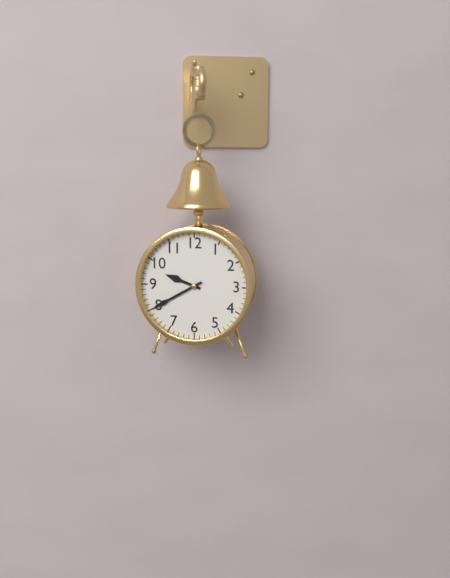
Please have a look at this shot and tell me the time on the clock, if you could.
9:40
